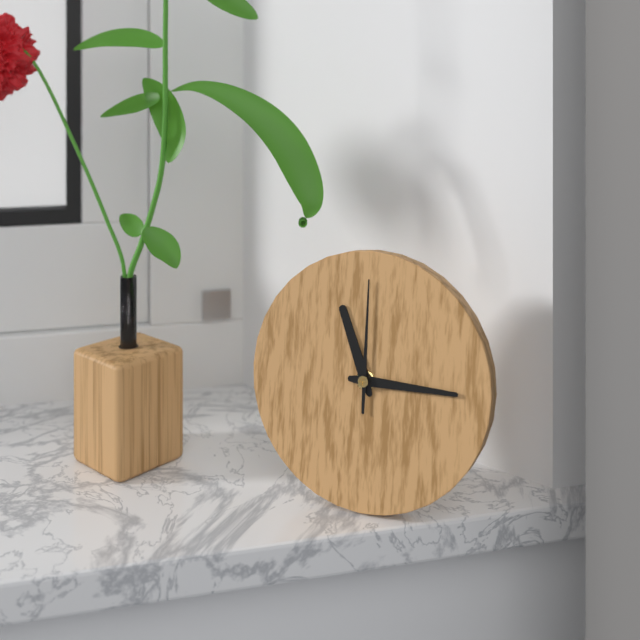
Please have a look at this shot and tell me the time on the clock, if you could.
11:15:00
